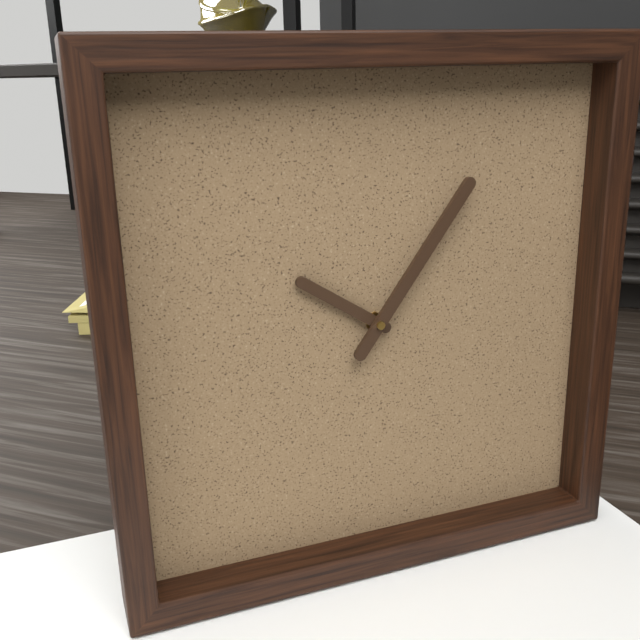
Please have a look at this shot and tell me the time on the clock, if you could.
10:06
